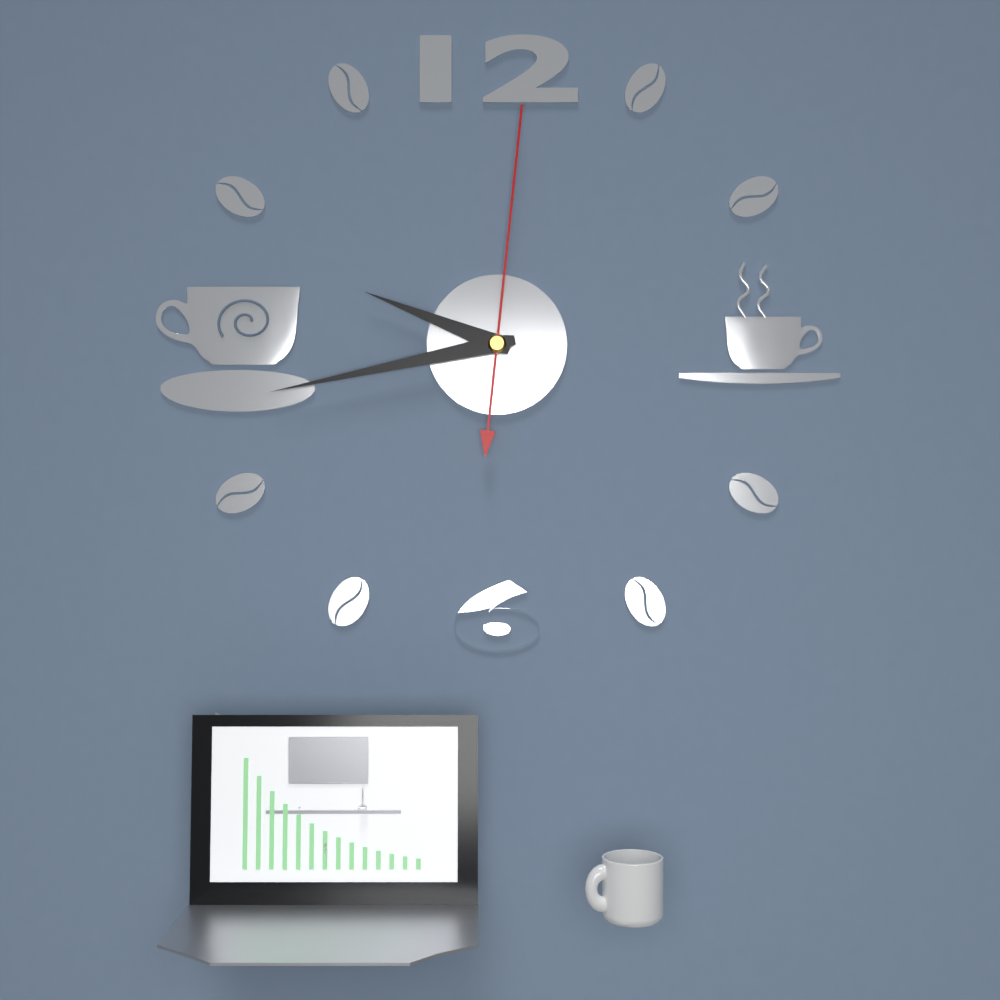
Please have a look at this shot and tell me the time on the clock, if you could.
9:43:01
